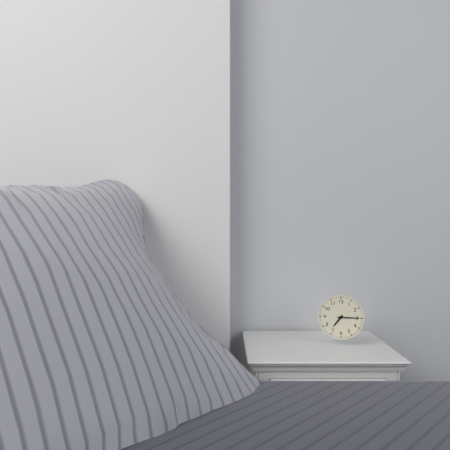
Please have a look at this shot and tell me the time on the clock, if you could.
7:15
